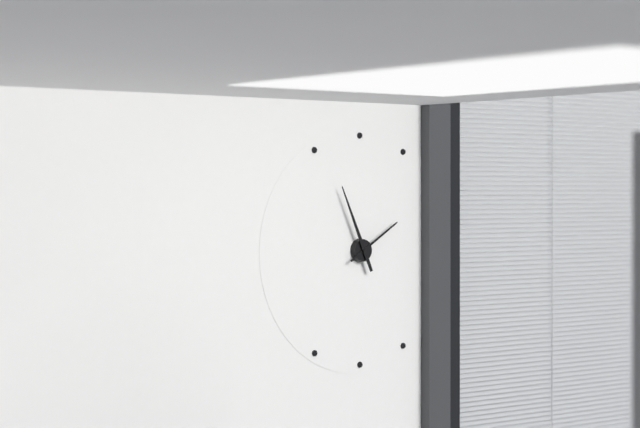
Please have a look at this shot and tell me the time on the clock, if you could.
1:56
